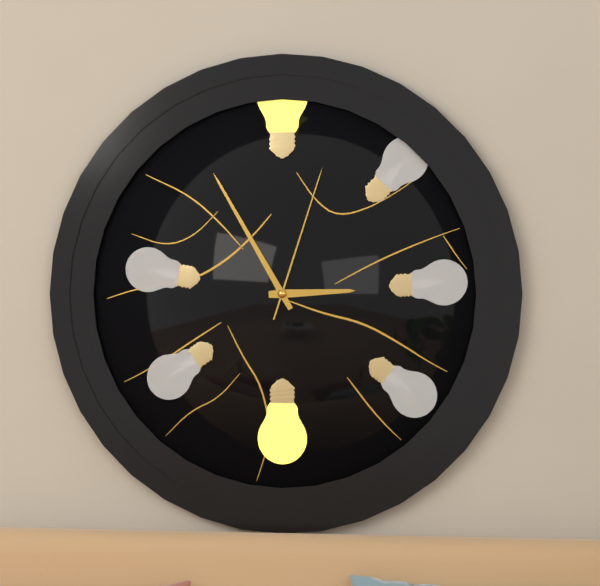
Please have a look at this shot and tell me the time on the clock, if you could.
2:55:03
